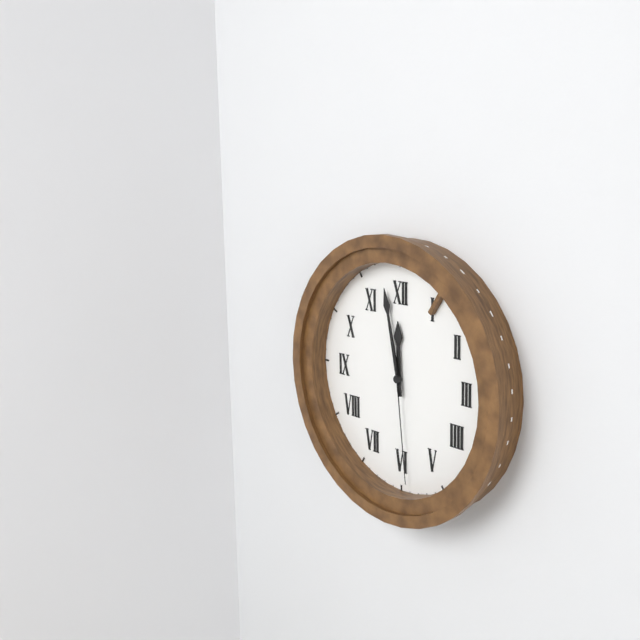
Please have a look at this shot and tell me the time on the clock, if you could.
11:58:29
